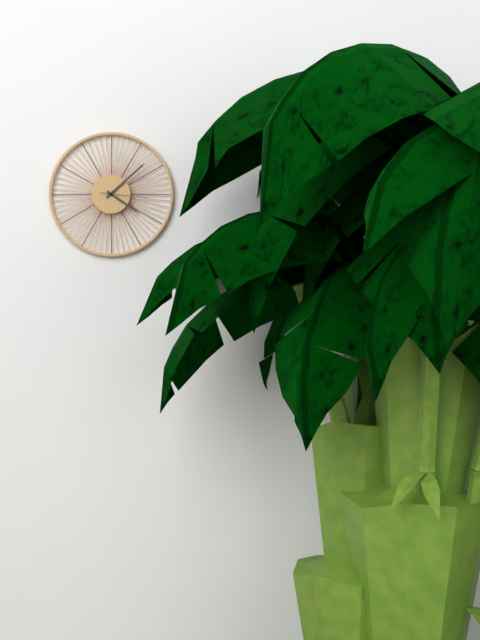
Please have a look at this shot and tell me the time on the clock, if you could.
4:08
